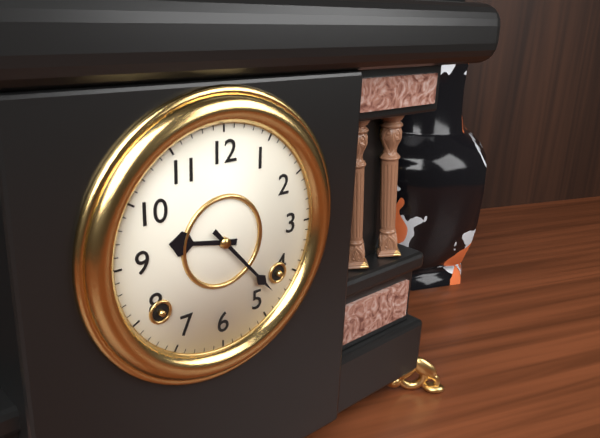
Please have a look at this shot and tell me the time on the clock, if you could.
9:23
